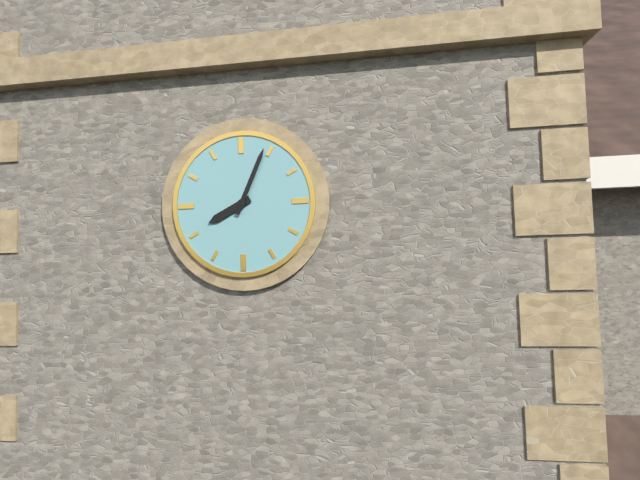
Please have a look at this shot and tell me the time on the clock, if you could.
8:04
